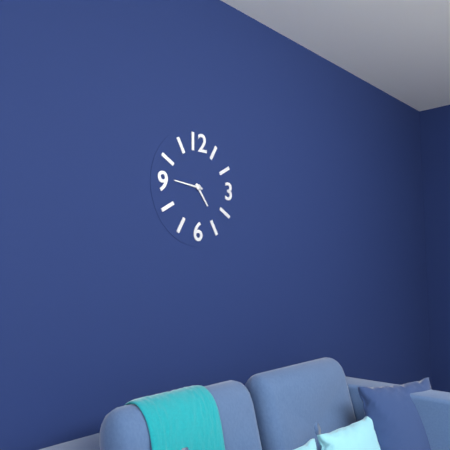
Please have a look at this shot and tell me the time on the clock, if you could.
4:46
